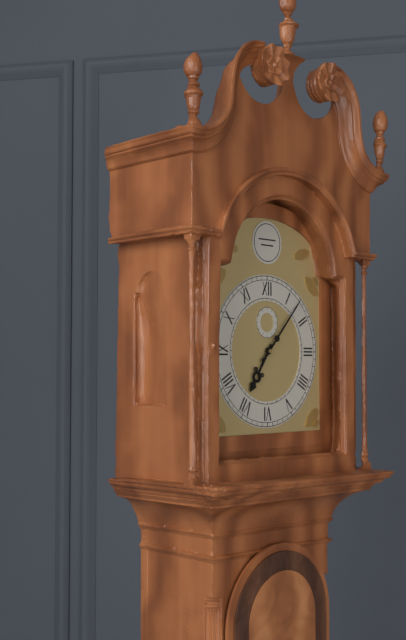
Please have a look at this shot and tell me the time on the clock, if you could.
7:07
